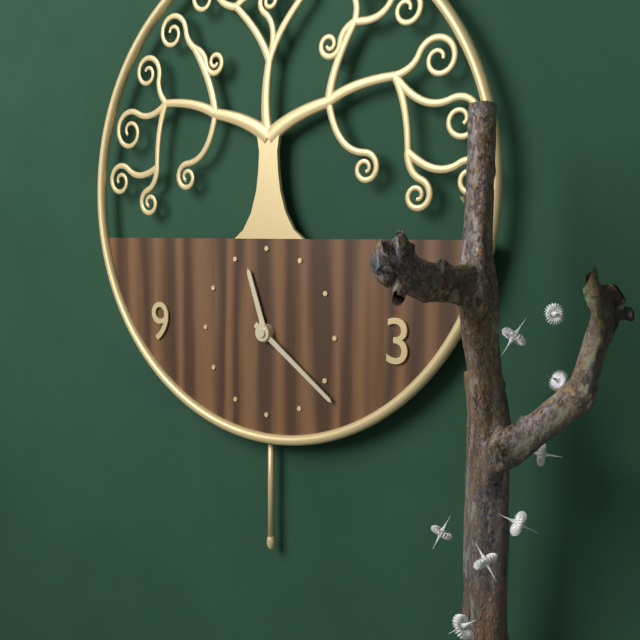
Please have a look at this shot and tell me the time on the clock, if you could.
11:21
